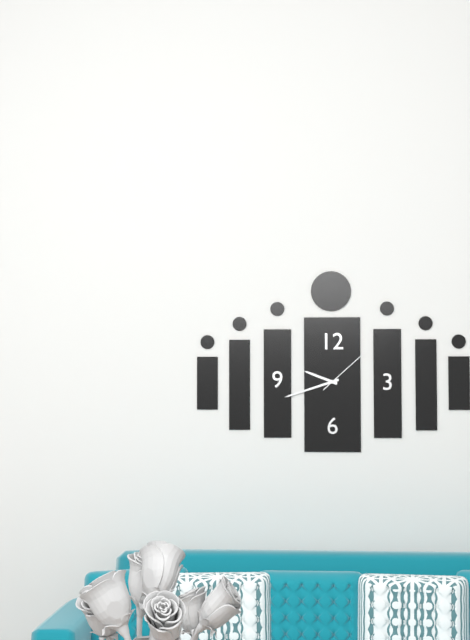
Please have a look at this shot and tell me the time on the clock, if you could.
9:42:08
